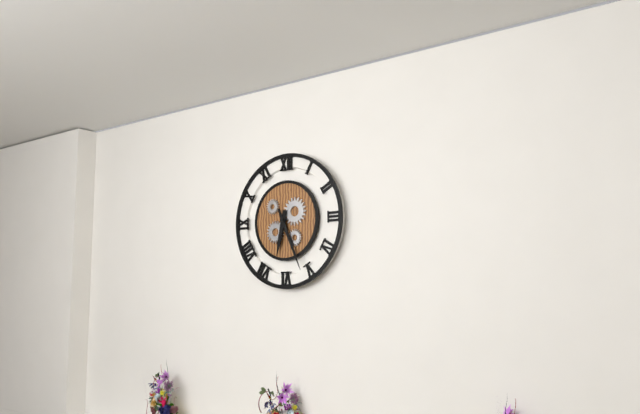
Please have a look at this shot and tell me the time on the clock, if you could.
6:26
